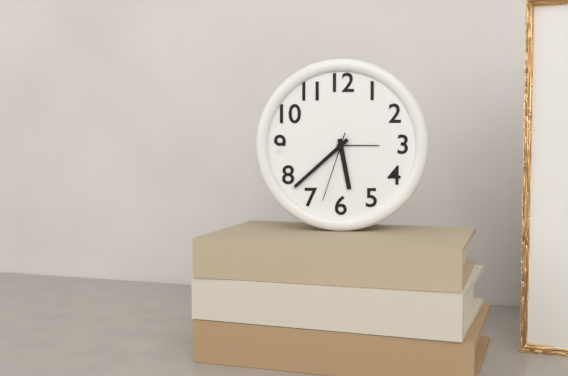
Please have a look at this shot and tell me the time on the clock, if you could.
5:38:33
